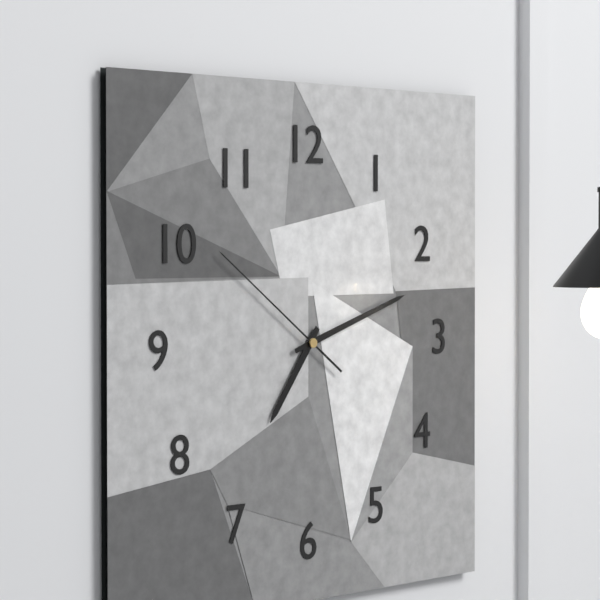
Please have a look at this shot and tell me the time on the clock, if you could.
7:12:51
